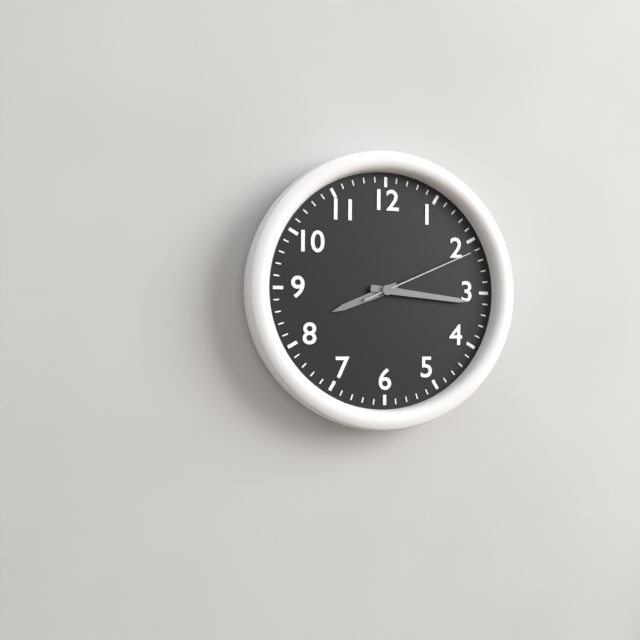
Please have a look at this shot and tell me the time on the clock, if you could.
8:16:11
